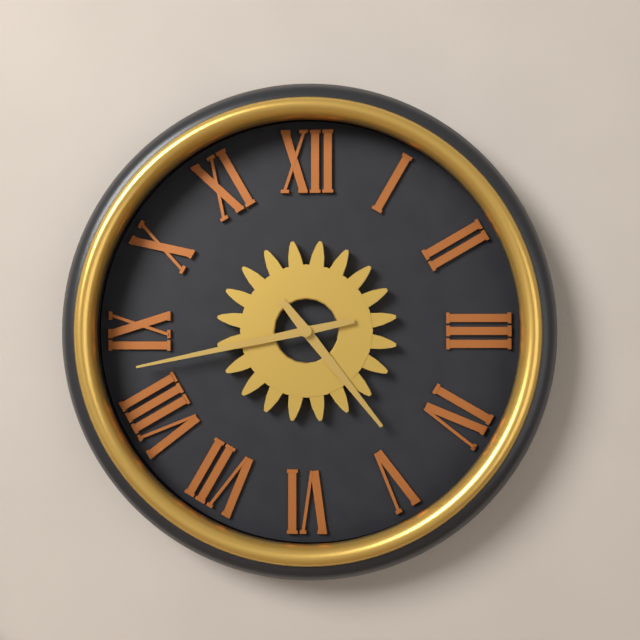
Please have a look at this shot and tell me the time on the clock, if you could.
4:43
